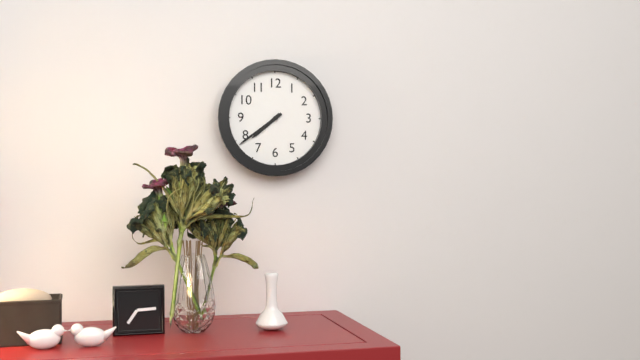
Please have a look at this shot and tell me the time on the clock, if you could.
7:39
